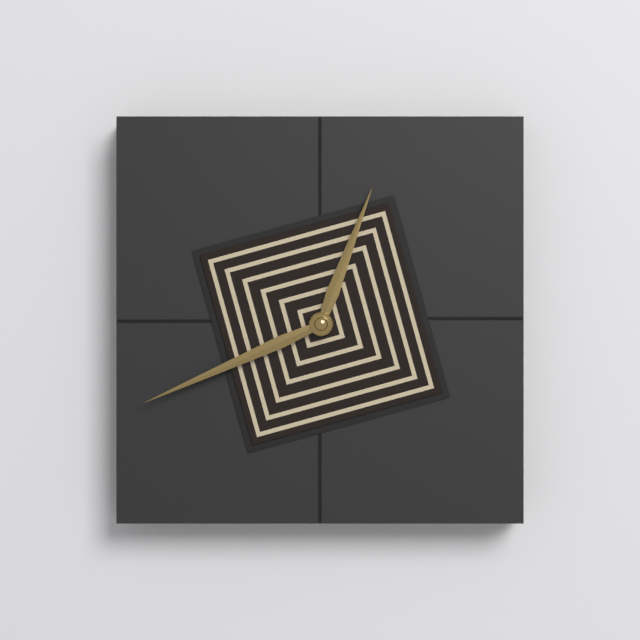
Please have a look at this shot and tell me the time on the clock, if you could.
12:41
